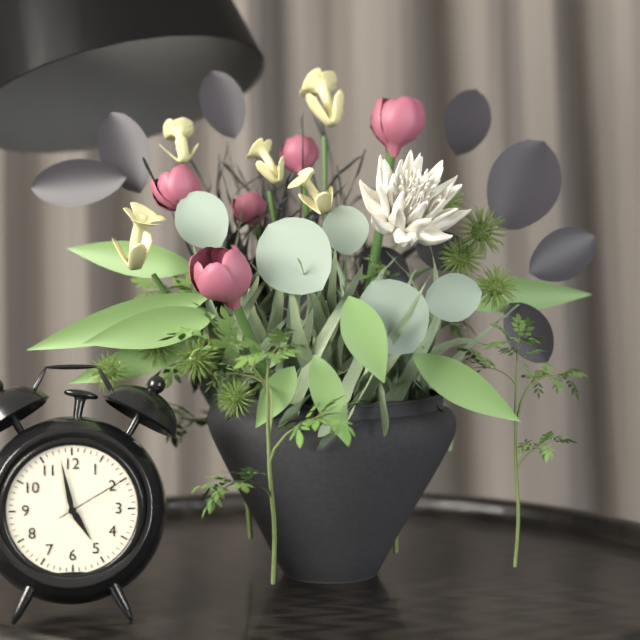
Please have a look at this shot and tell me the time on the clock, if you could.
4:58:10
